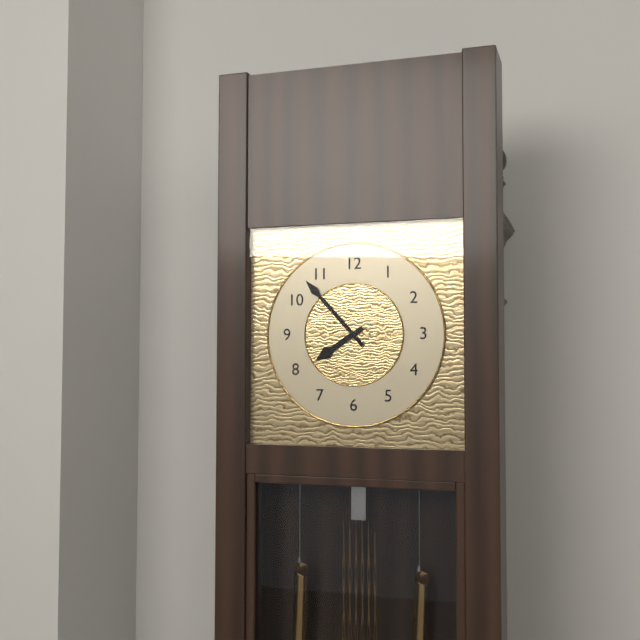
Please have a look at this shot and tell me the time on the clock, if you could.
7:53
